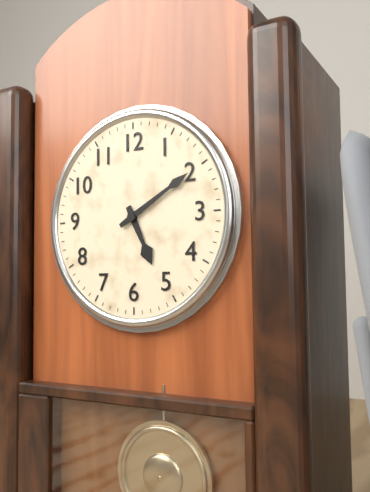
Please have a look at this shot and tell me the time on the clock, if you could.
5:10
